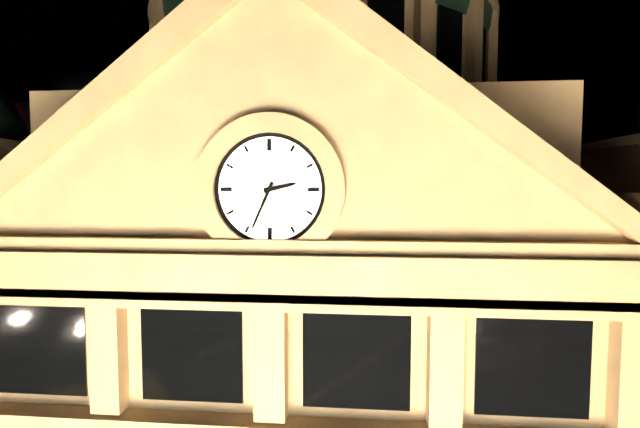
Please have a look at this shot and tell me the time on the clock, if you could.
2:34
